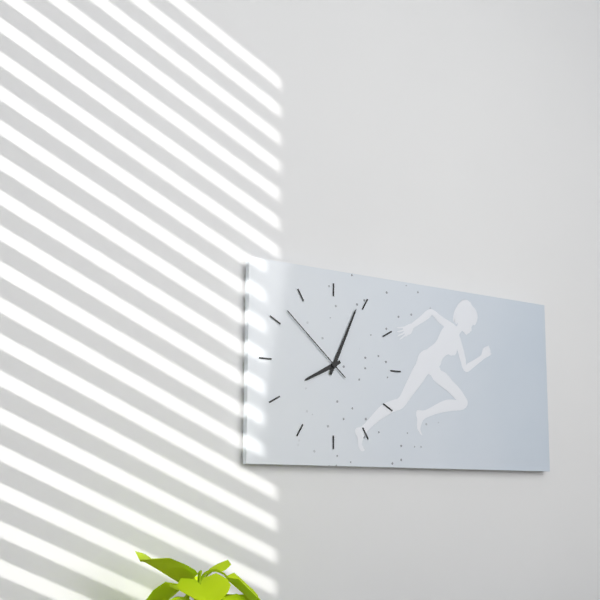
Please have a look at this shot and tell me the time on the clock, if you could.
8:04:52
